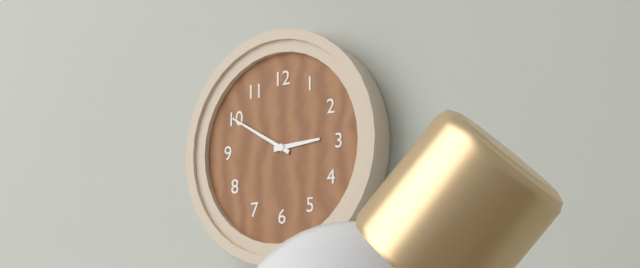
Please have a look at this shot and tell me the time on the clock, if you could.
2:50
